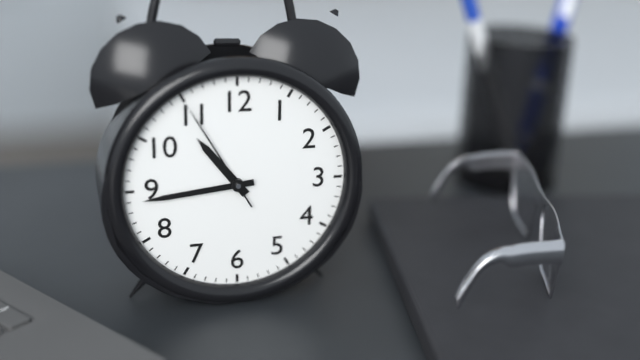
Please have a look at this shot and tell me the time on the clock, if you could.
10:44:55
